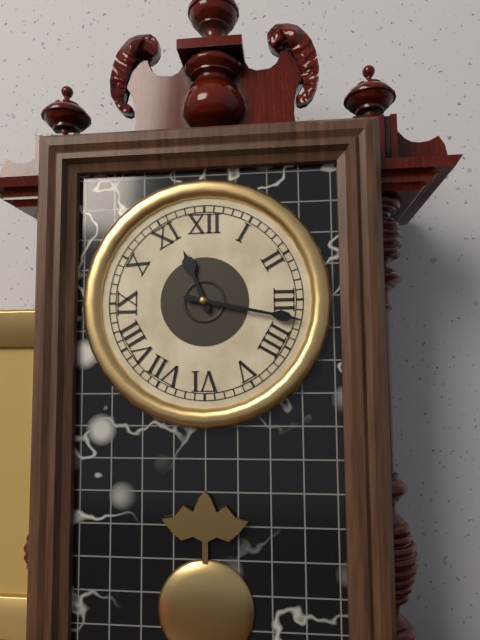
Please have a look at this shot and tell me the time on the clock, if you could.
11:17
